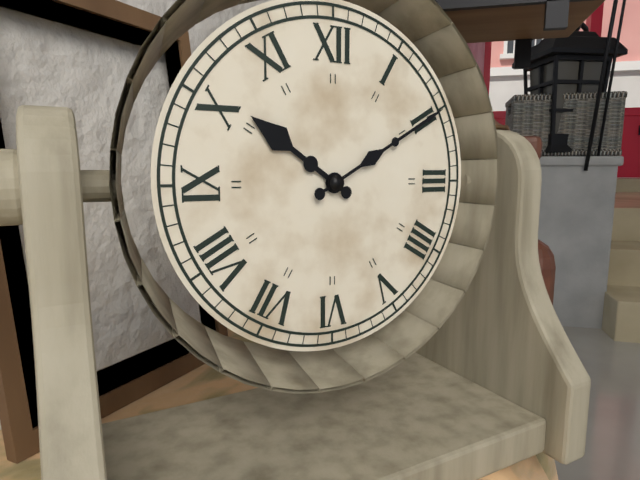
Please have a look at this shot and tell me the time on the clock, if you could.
10:10
